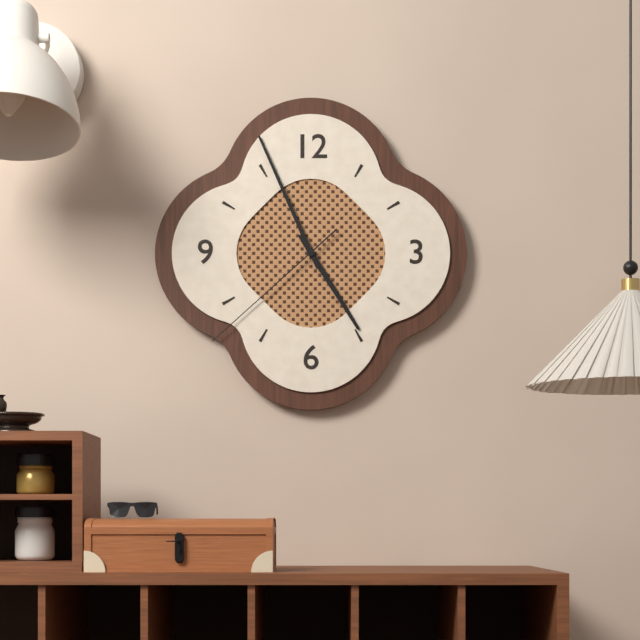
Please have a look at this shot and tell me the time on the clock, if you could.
4:56:38
